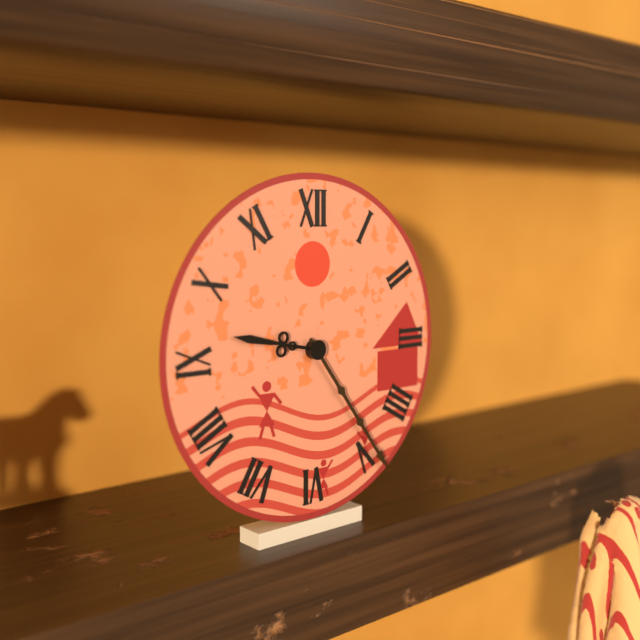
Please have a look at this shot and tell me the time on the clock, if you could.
9:24
